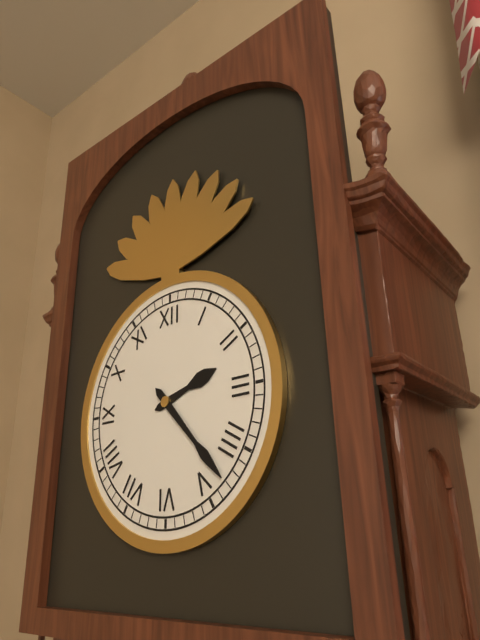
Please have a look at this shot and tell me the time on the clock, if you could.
2:23
